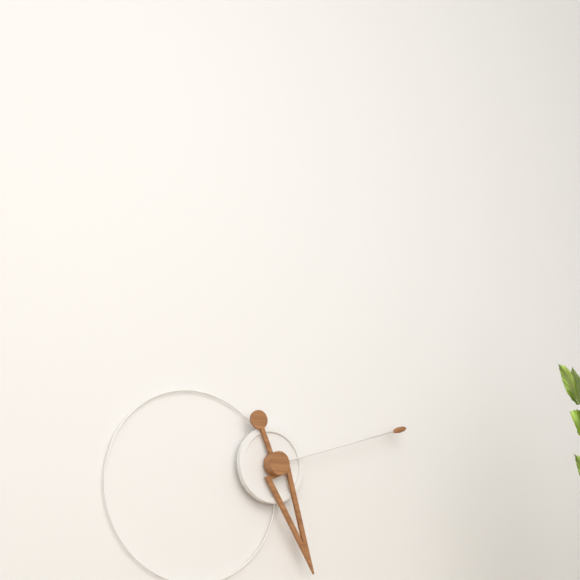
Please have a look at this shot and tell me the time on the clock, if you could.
5:12
